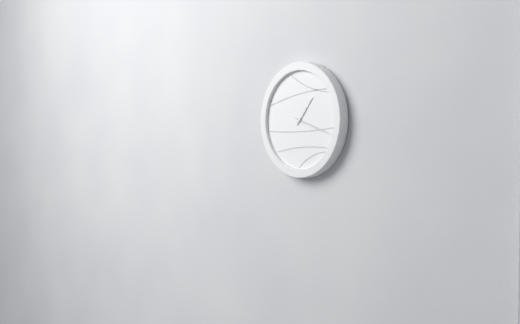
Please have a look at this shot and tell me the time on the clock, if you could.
1:18
